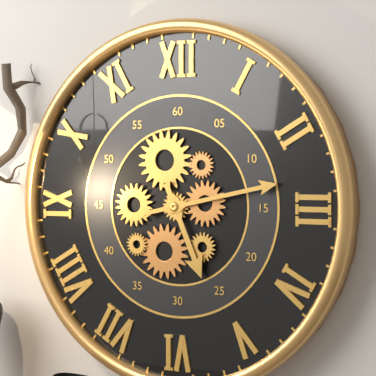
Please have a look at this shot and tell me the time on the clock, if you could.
5:13
